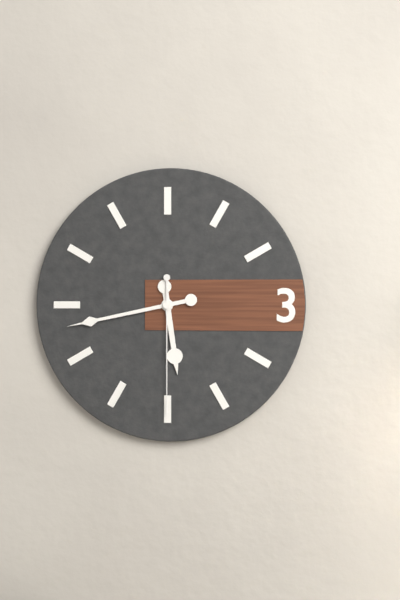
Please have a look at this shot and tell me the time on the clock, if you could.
5:43:30
